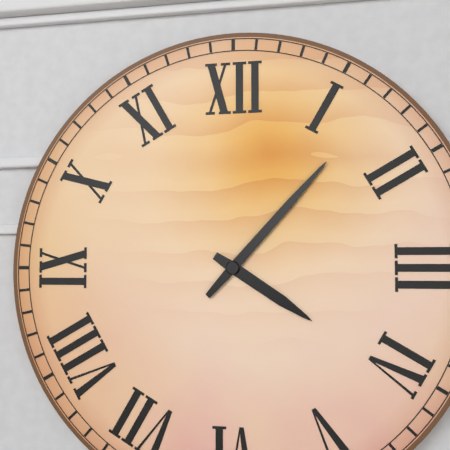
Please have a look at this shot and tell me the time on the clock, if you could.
4:07
